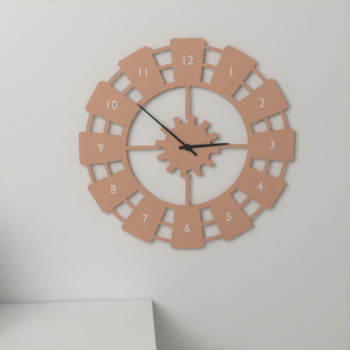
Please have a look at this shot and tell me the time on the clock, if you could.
2:52
